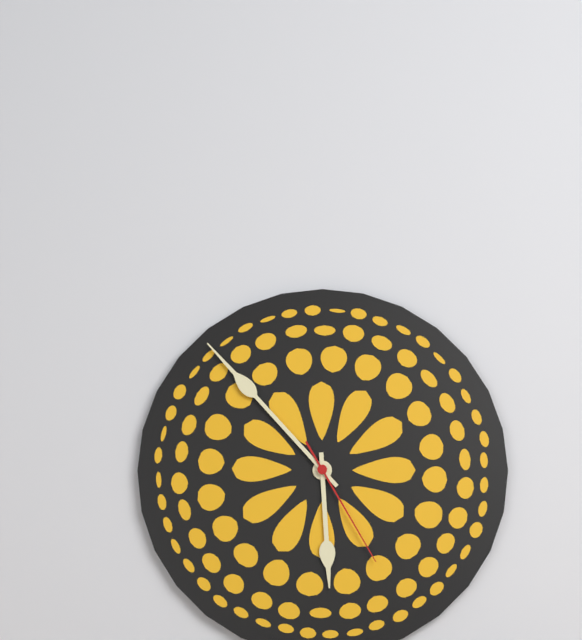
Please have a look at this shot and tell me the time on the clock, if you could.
5:53:25
